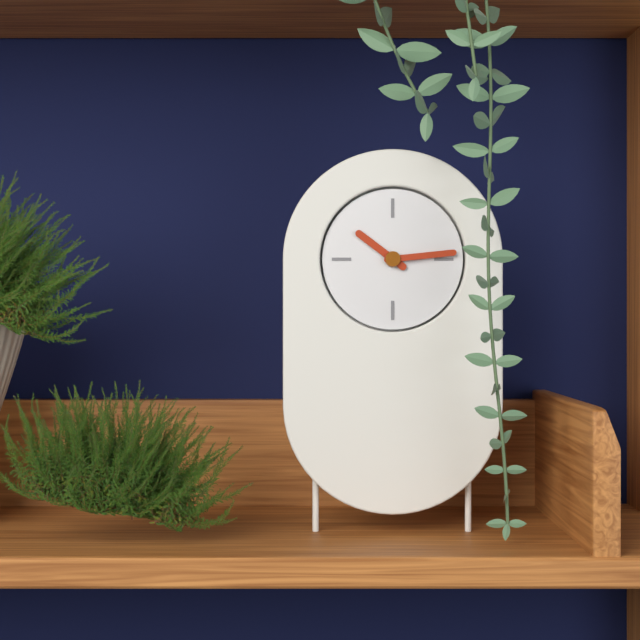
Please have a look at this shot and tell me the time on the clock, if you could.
10:14
